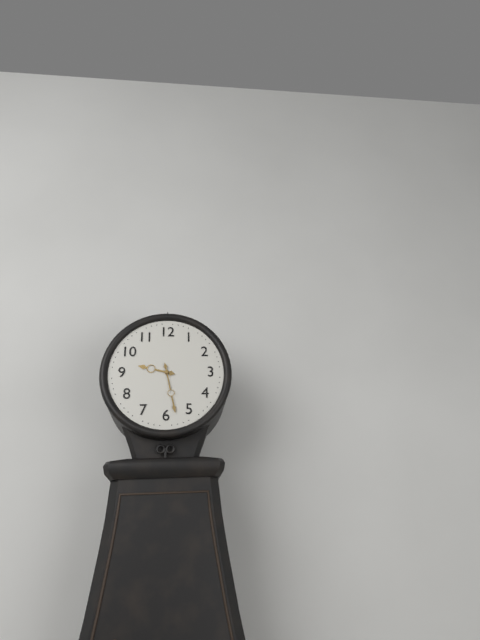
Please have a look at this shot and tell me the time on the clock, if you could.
9:28
